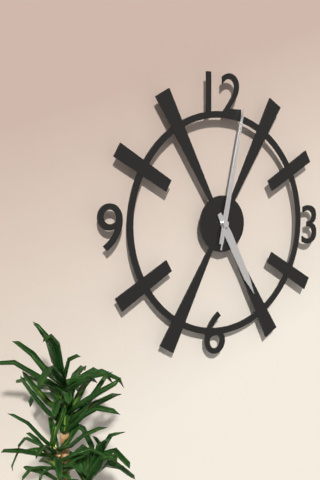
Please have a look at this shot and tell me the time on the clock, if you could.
5:02:02
